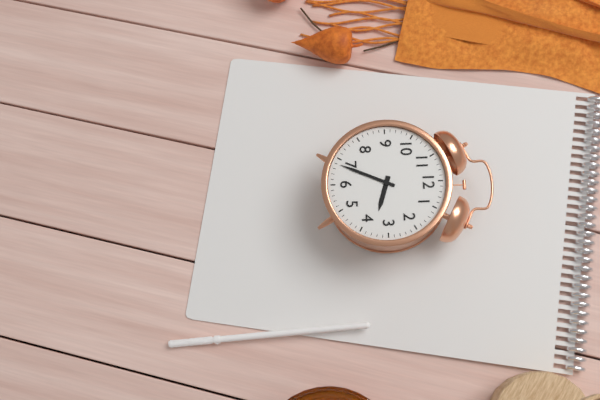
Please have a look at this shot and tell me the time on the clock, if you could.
3:34
